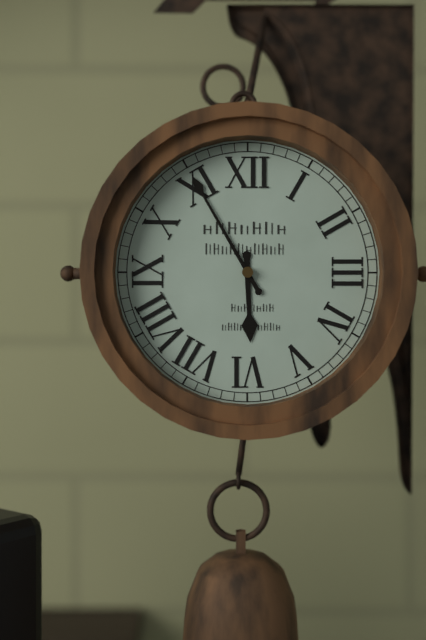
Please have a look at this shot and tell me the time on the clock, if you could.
5:55
